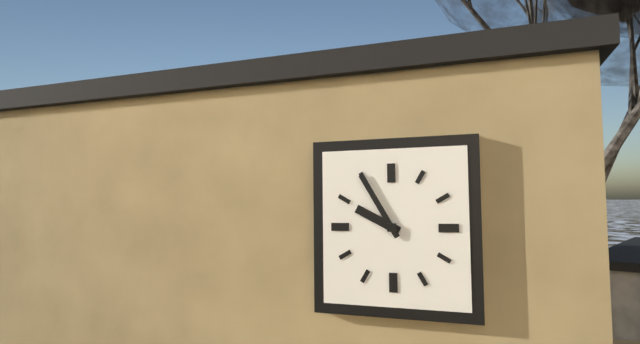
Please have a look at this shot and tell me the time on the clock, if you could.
9:55
